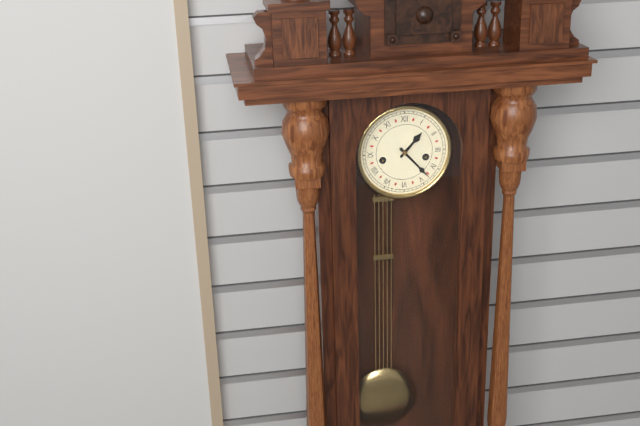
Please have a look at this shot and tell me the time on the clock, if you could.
1:23
